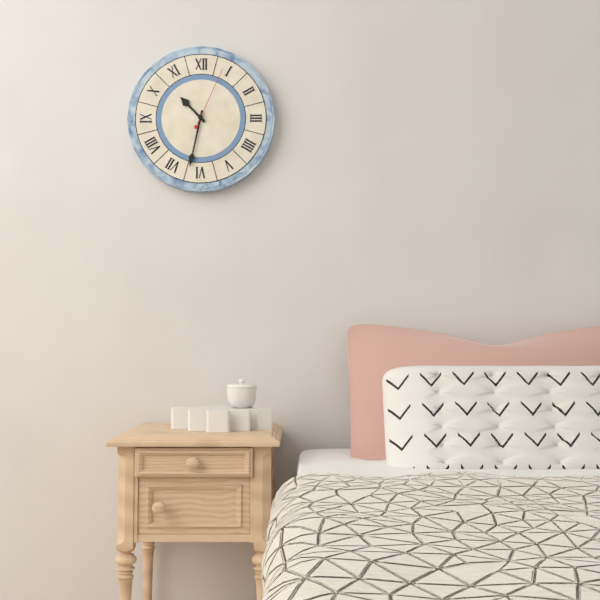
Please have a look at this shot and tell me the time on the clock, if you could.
10:32:04
